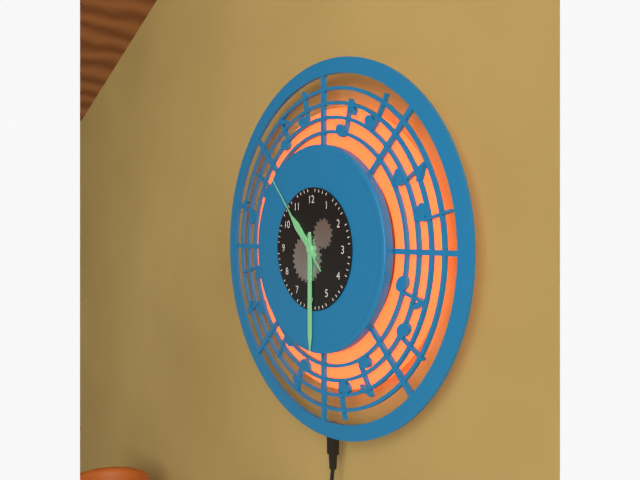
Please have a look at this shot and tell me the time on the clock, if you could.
10:30:53
